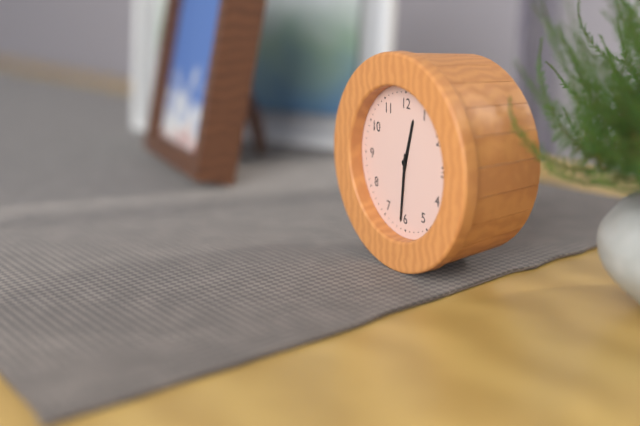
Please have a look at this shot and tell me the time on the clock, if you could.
12:31
